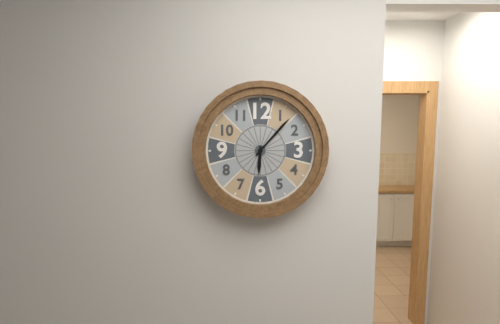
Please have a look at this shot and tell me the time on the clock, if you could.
6:07
